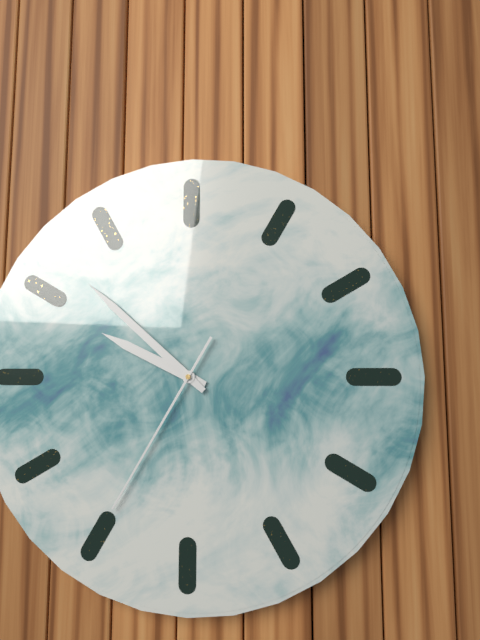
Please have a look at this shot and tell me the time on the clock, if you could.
9:52:35
